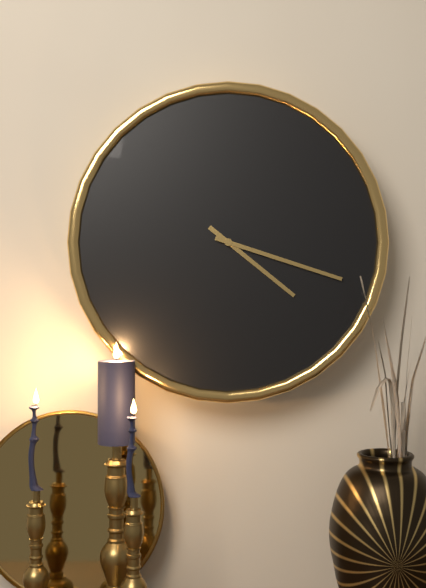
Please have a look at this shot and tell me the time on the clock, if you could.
4:18
